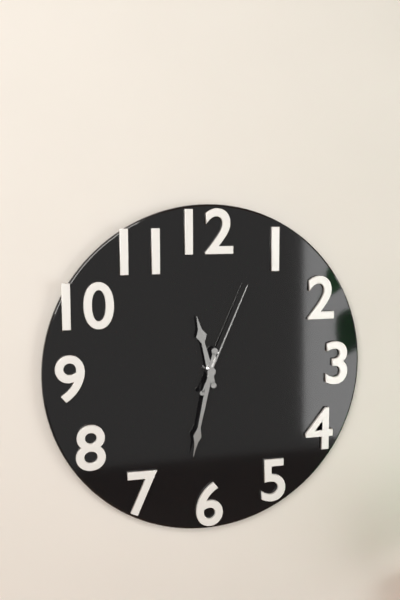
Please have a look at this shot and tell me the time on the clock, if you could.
11:32:04
